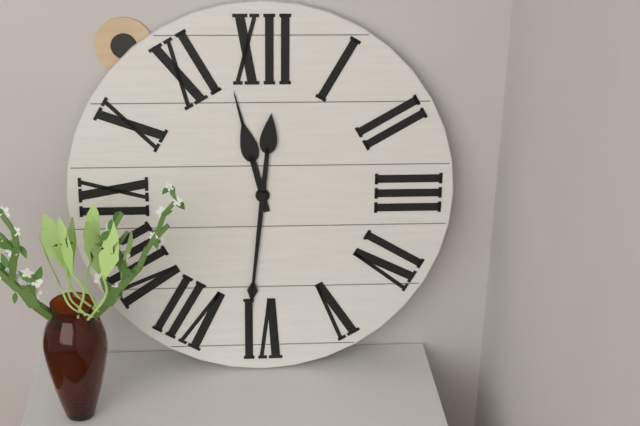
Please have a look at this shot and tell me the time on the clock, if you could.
11:31
